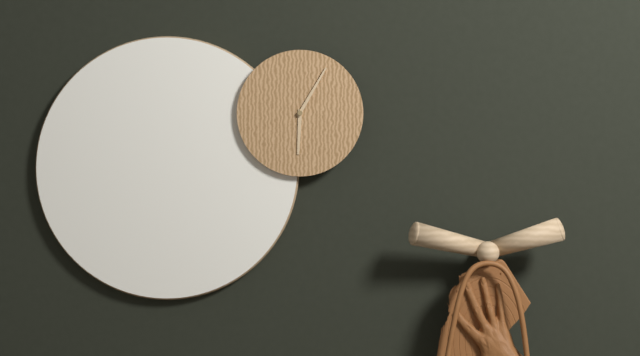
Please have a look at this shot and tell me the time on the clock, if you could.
6:05
